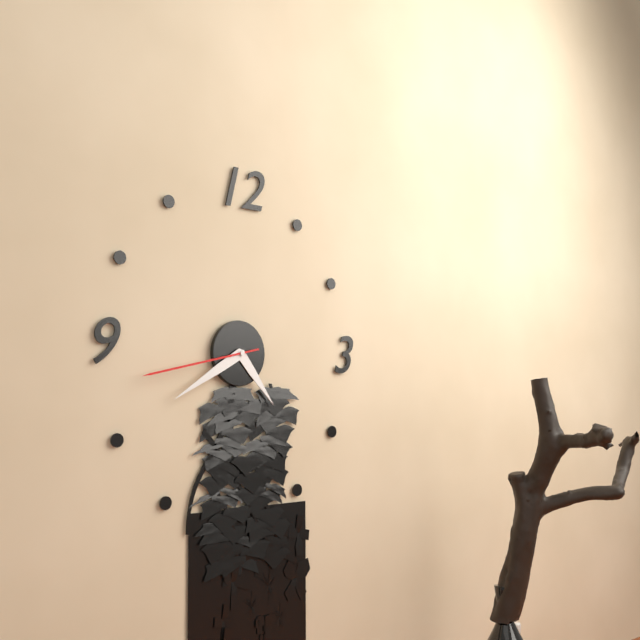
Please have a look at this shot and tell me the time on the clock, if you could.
4:40:43
